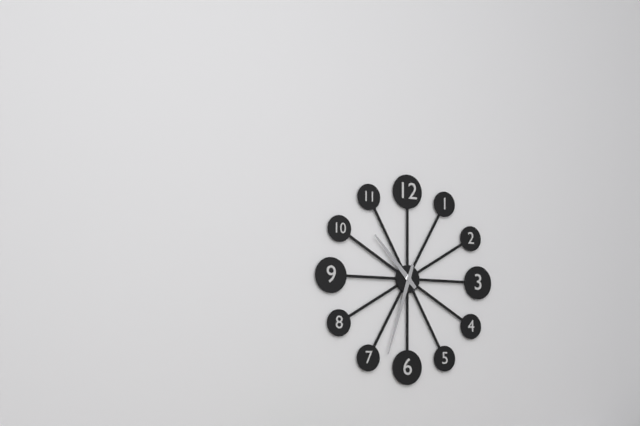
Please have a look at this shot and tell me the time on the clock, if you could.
10:33
